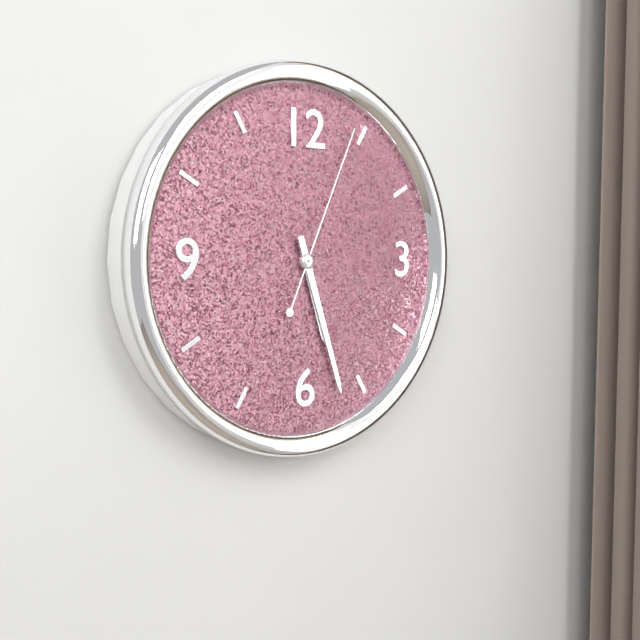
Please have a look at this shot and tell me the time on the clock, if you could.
5:27:04
